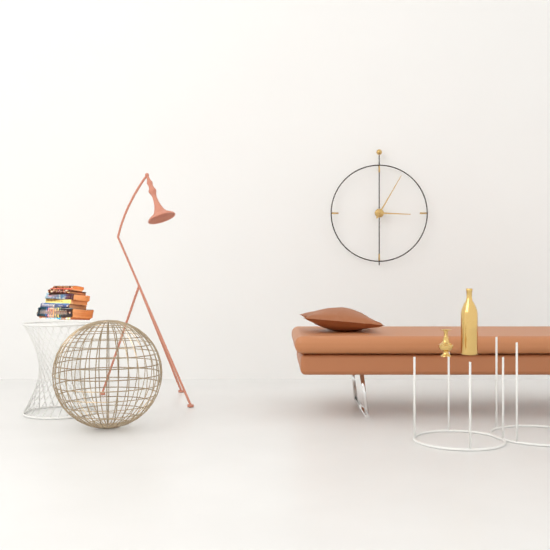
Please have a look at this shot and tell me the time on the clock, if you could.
3:05
